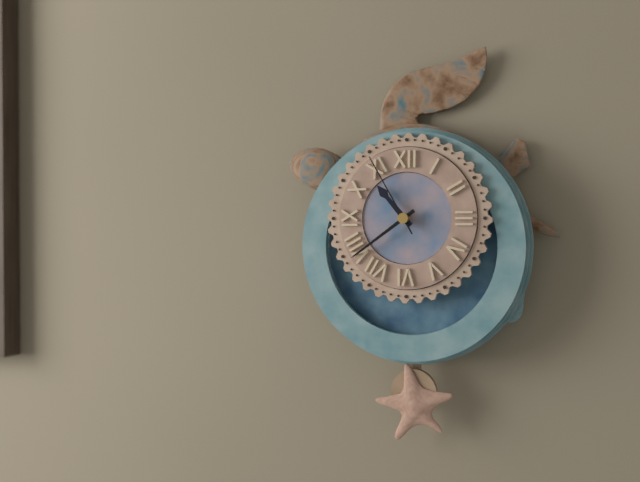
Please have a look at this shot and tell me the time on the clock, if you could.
10:39:55
